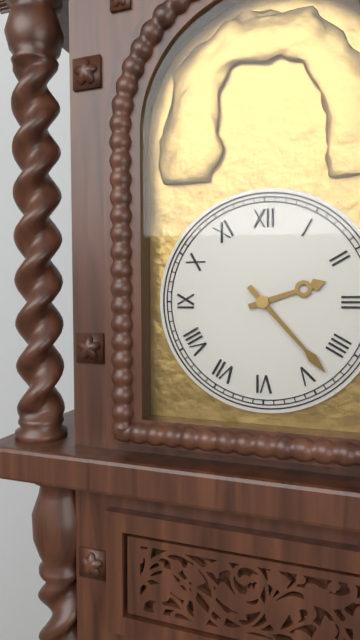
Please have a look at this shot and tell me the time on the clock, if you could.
2:23
